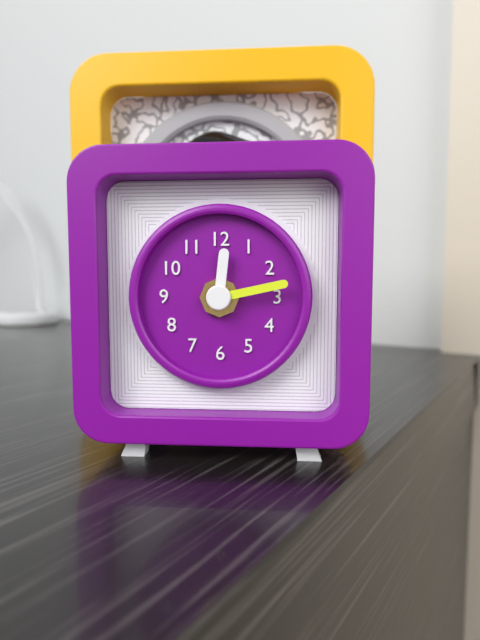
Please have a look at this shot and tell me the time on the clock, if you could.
12:13
